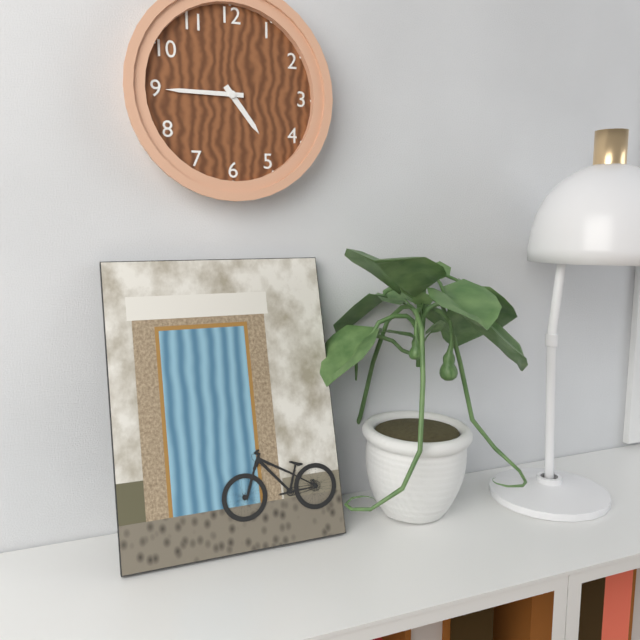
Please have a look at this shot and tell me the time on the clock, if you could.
4:45
